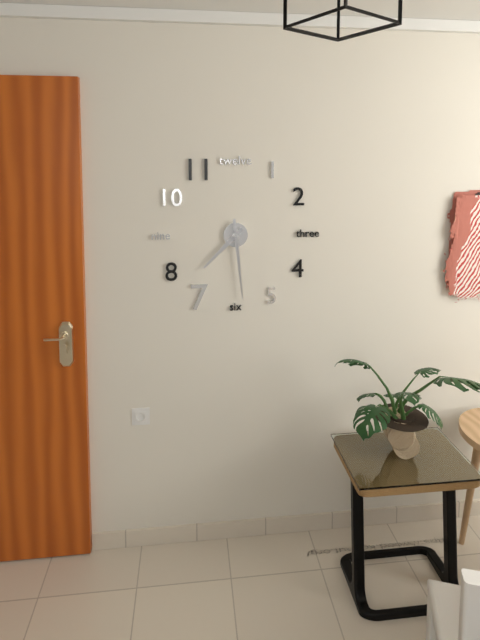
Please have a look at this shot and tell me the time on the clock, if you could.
7:29
